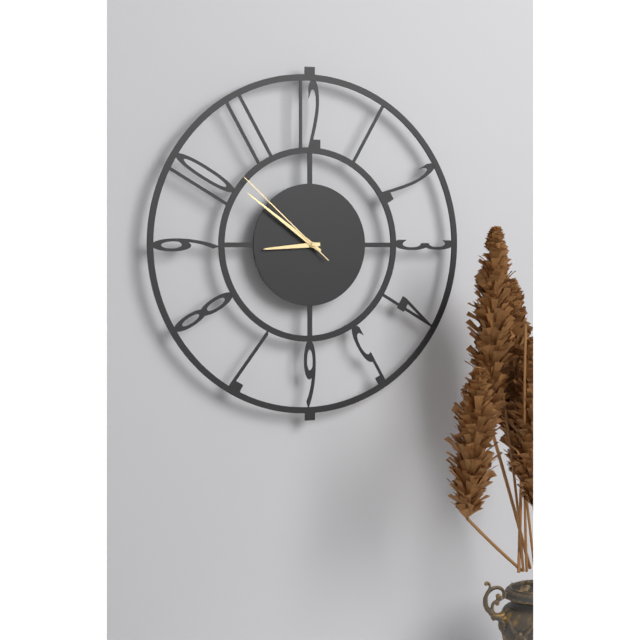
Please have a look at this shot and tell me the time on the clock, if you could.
8:51:52
